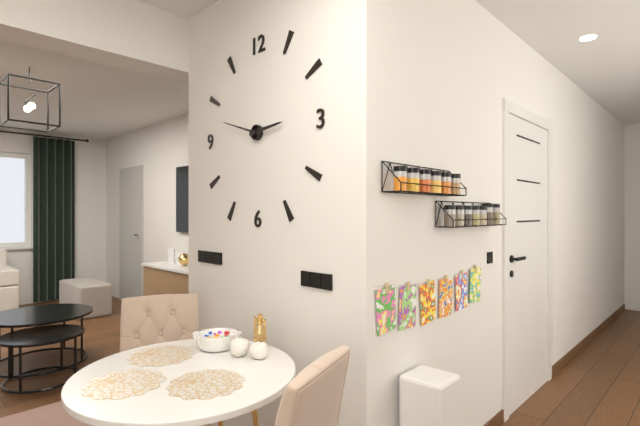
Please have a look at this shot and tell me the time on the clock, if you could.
2:48
